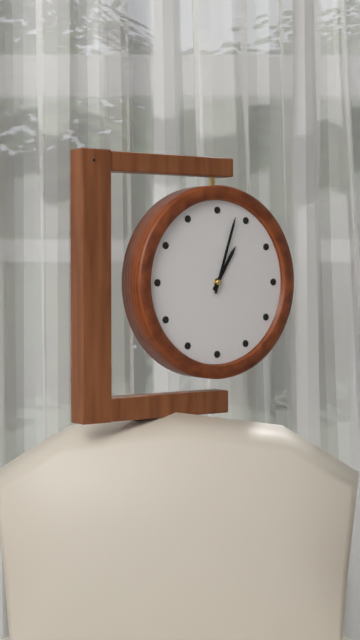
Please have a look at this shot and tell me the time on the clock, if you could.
1:03
